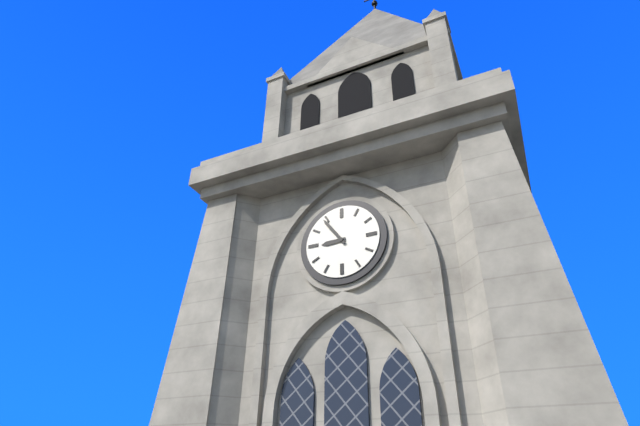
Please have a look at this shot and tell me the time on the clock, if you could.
8:54
